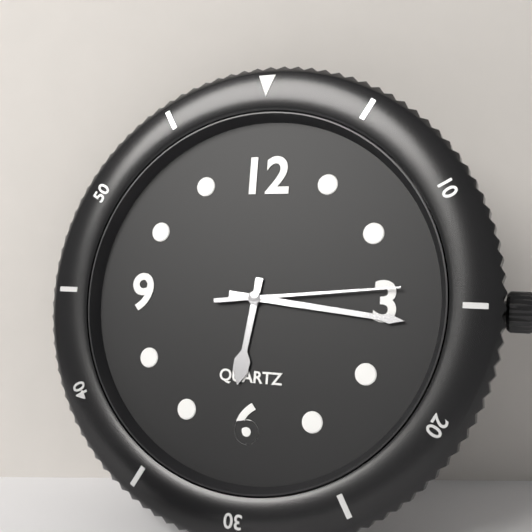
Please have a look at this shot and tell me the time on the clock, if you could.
6:16:14
